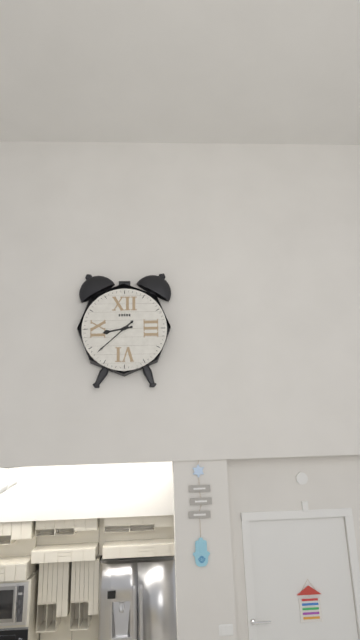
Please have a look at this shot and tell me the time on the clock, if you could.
8:38
